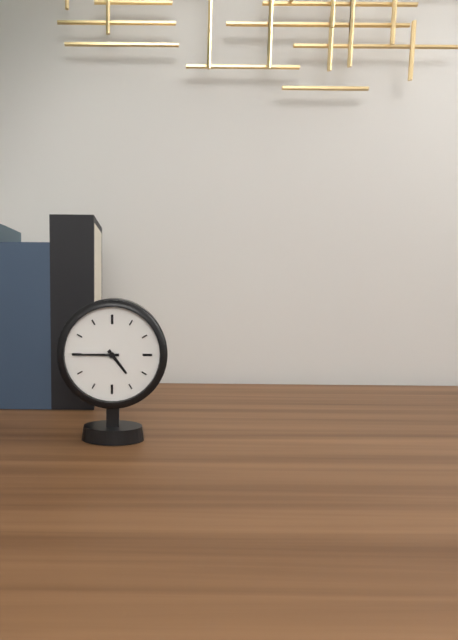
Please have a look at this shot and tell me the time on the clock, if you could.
4:45
